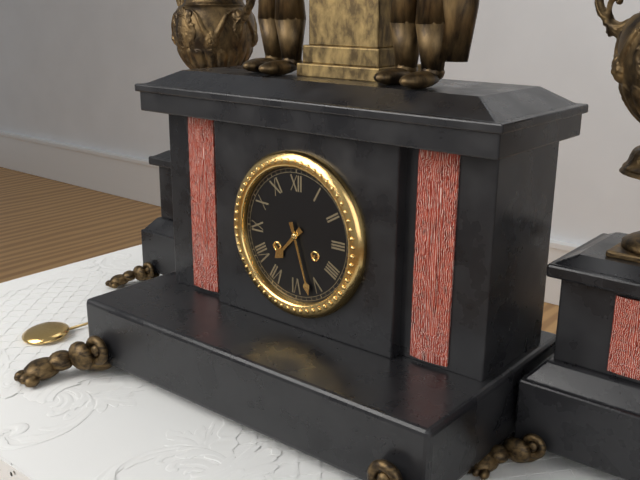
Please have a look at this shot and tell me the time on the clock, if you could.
7:27
